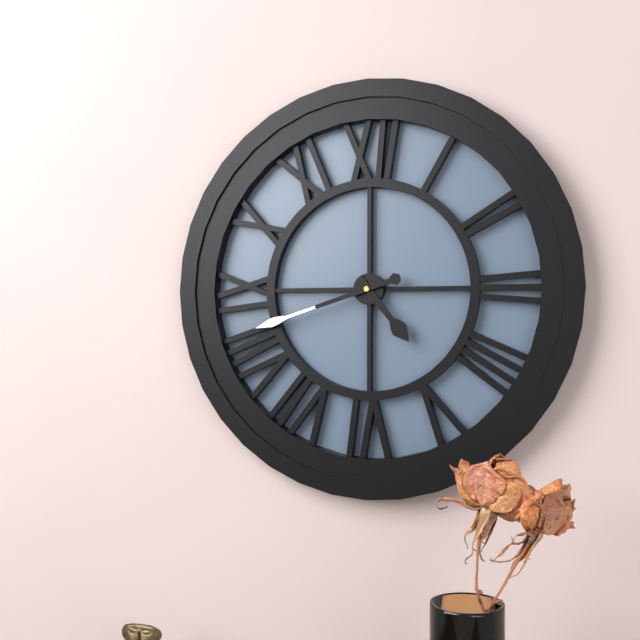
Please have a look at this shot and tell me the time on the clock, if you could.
4:42
